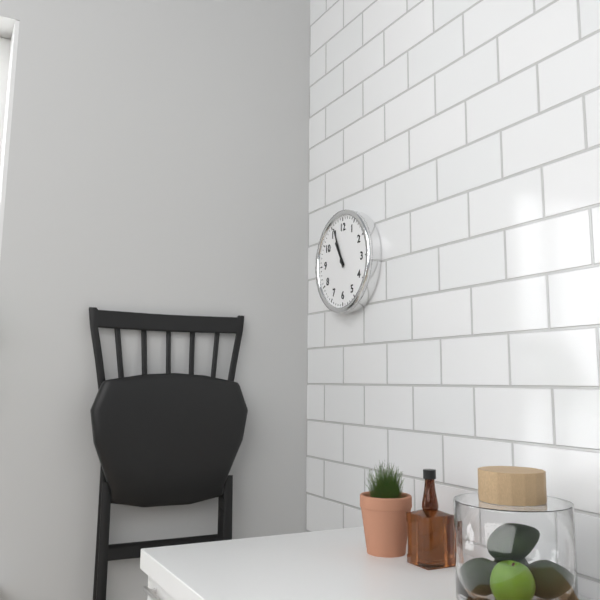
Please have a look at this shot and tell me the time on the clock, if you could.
10:56
